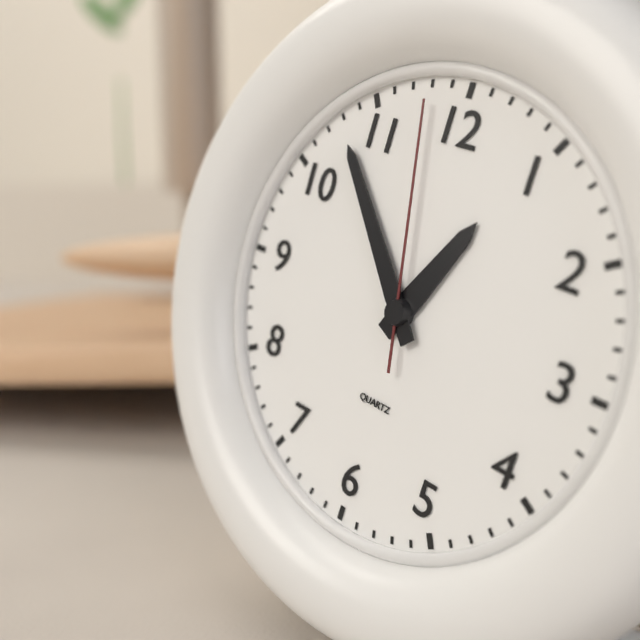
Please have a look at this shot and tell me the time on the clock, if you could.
12:53:58
